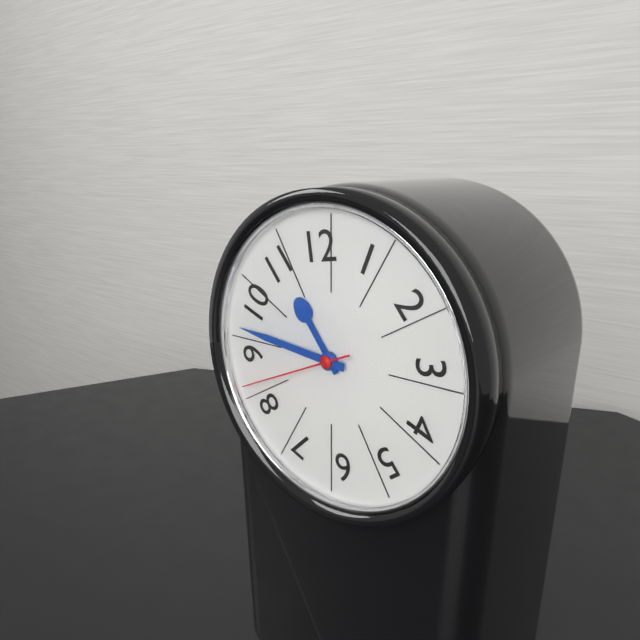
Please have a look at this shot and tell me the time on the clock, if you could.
10:46:41
